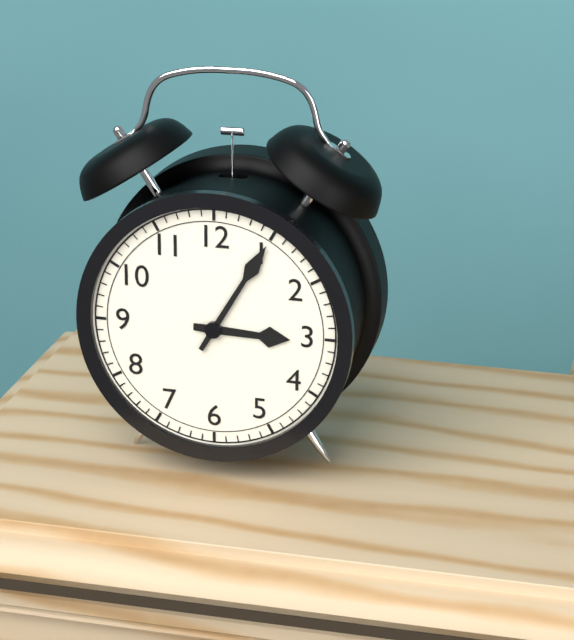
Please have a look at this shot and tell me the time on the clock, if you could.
3:05
